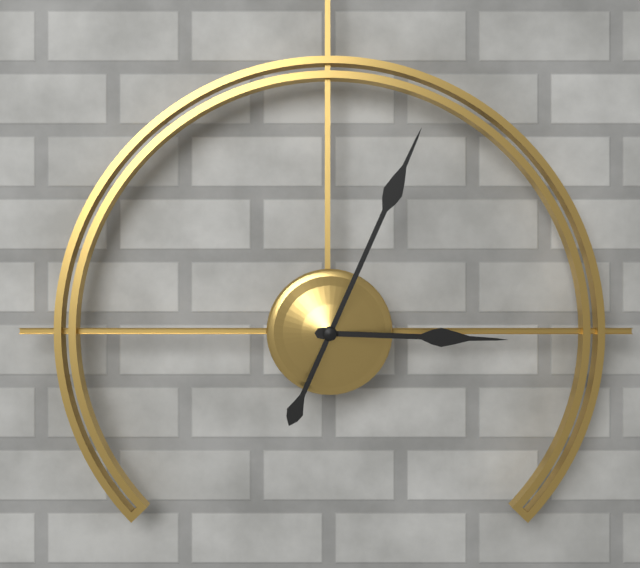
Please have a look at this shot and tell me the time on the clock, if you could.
3:04
